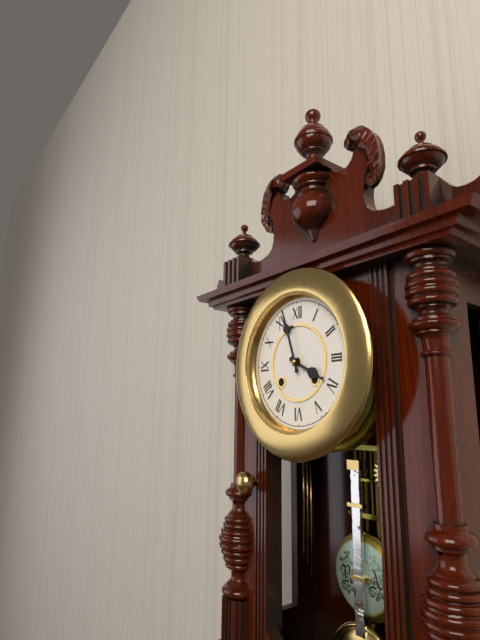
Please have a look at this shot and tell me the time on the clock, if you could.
3:57
